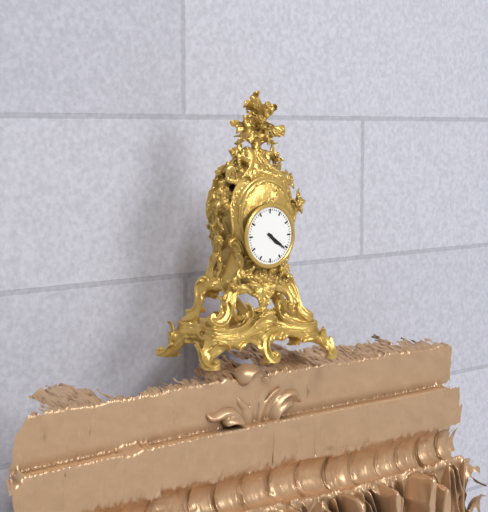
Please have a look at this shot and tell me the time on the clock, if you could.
4:21
